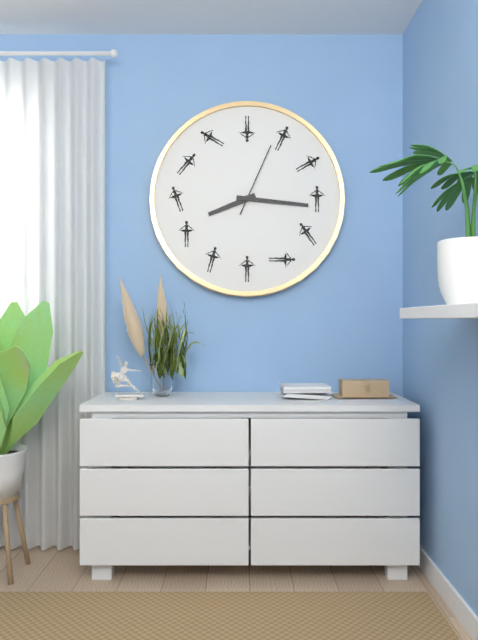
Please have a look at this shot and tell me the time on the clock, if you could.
8:16:04
